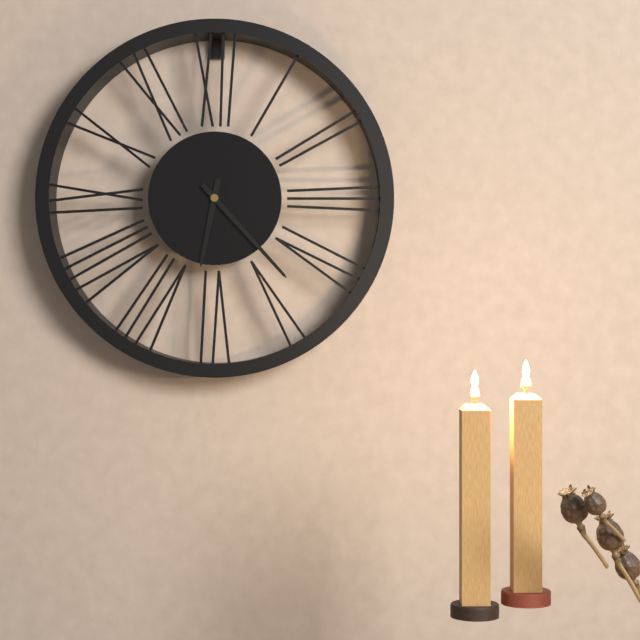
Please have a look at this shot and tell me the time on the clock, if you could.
6:23
